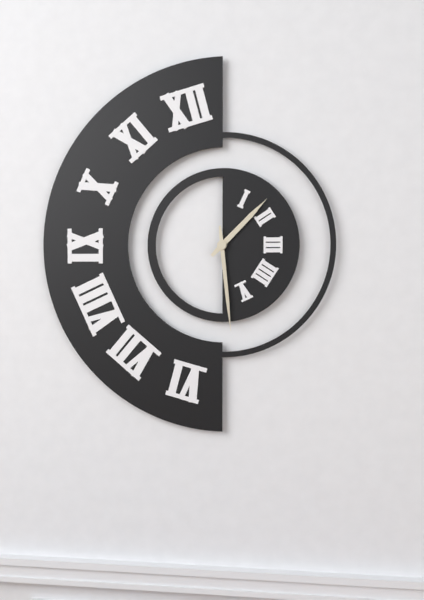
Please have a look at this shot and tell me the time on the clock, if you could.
1:29
